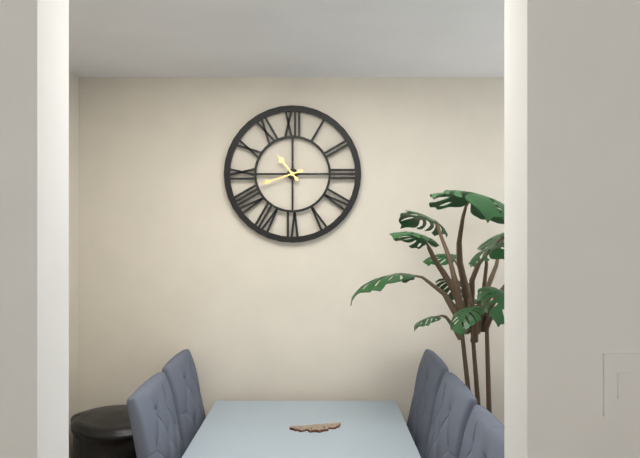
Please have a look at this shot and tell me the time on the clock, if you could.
10:42
